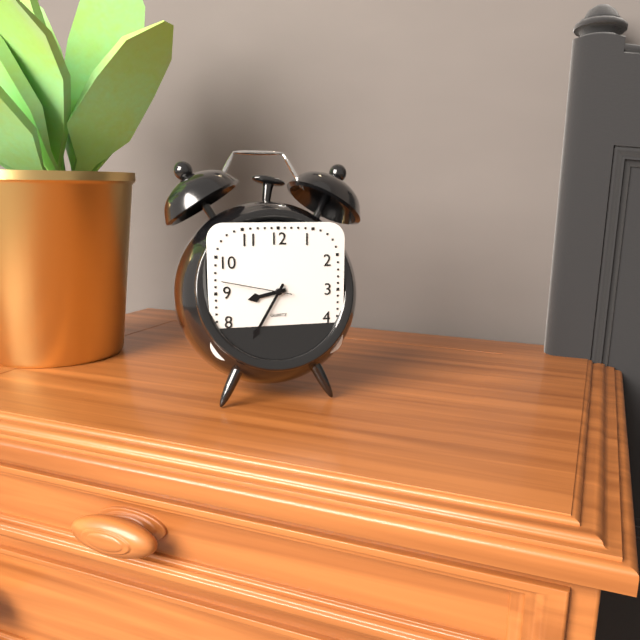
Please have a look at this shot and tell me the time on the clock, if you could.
8:35:47
